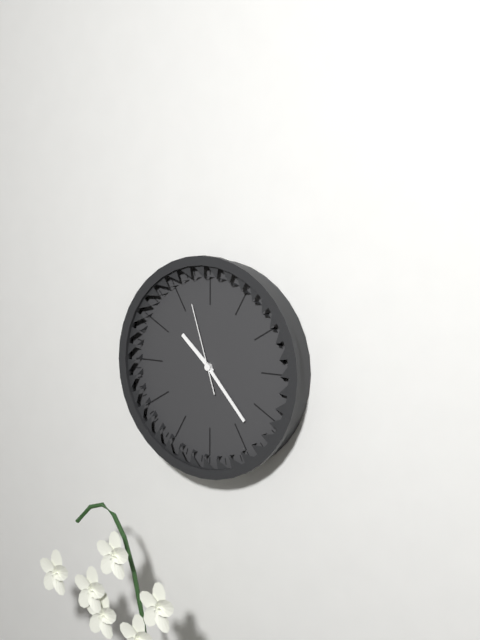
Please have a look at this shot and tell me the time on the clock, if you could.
10:23:57
